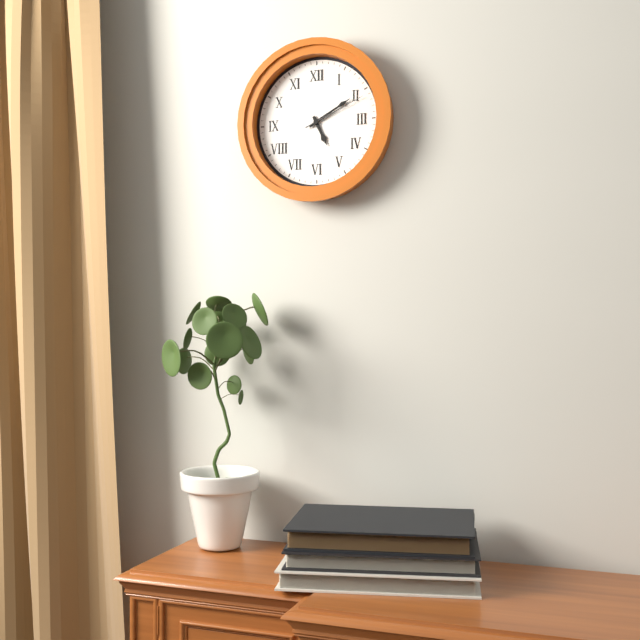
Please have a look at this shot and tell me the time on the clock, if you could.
5:10:11
